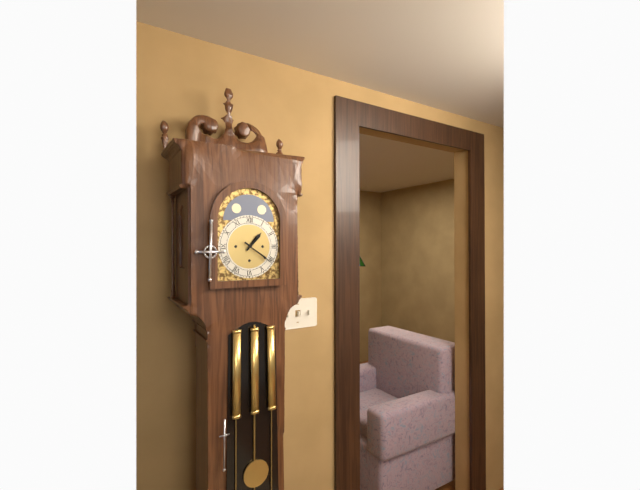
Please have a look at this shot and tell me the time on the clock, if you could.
1:21
